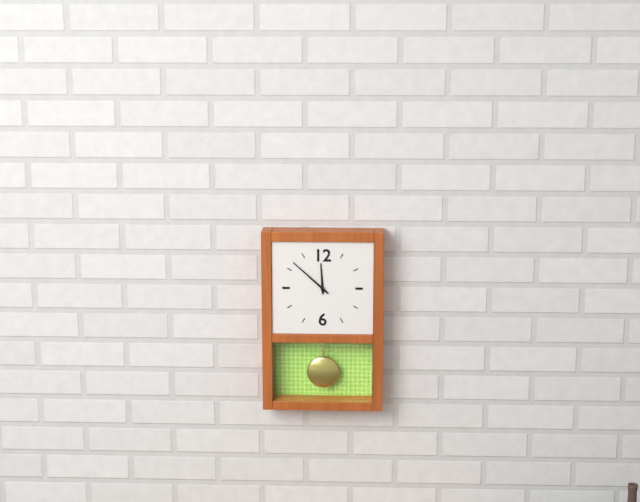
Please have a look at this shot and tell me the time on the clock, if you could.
11:52
